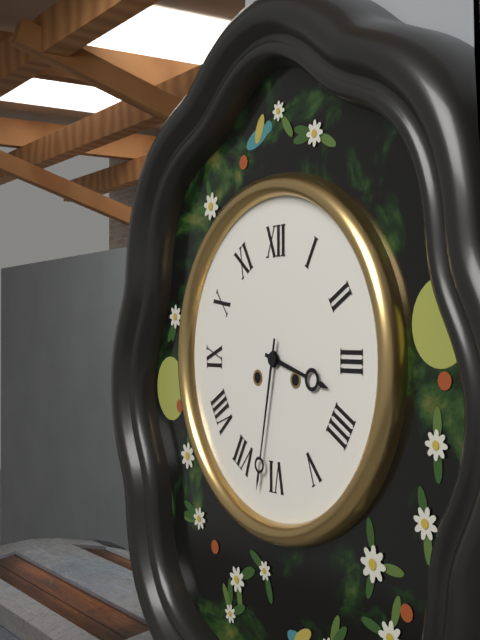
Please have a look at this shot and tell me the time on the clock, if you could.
3:32
